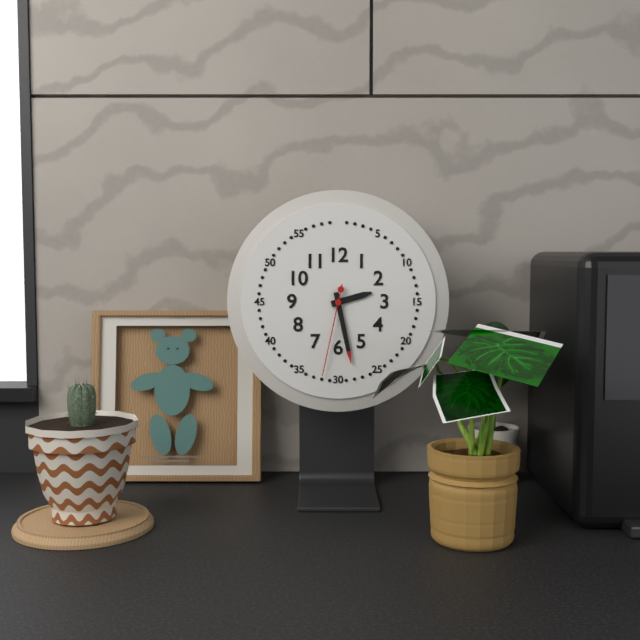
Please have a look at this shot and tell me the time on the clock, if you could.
2:28:32
